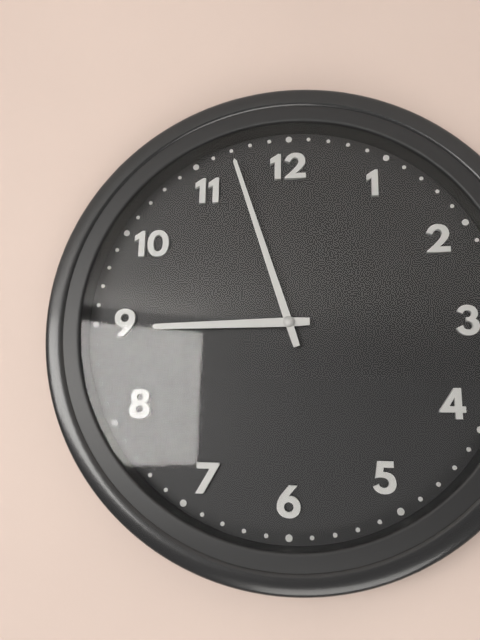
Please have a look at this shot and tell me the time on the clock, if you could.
8:57
